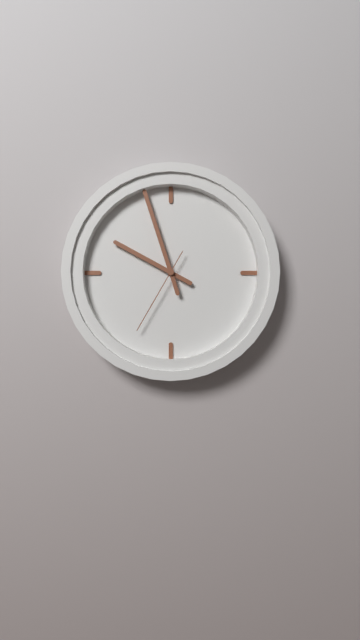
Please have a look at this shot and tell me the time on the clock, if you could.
9:57:35
